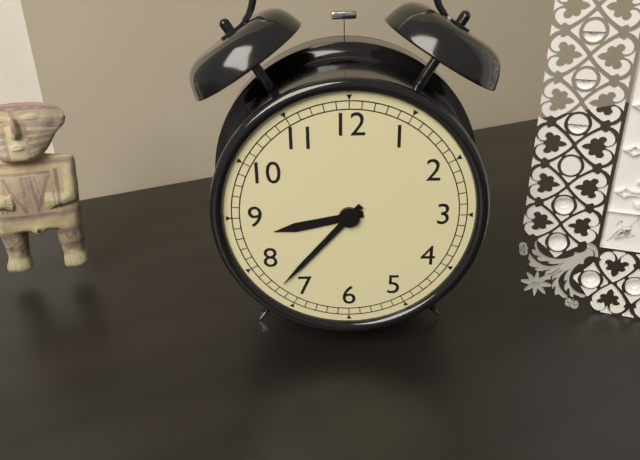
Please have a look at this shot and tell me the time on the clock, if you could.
8:37
